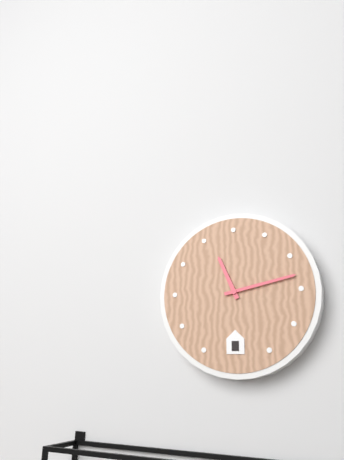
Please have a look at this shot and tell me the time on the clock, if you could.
11:13
